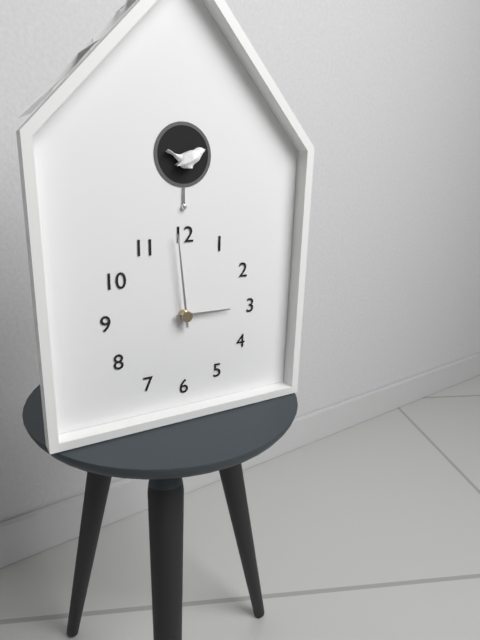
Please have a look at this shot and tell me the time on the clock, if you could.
2:59
